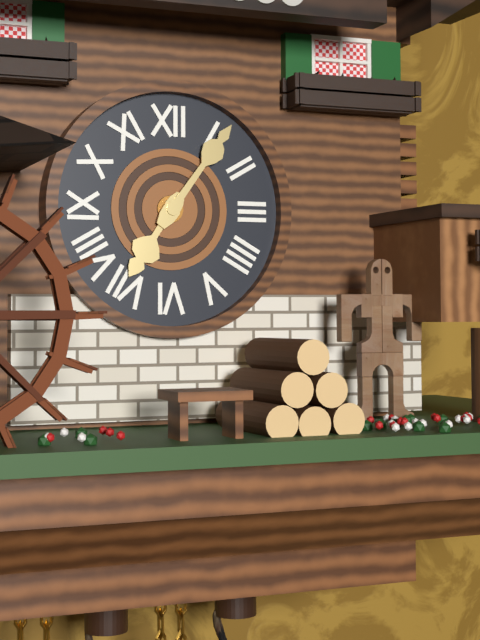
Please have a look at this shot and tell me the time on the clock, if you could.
7:06
